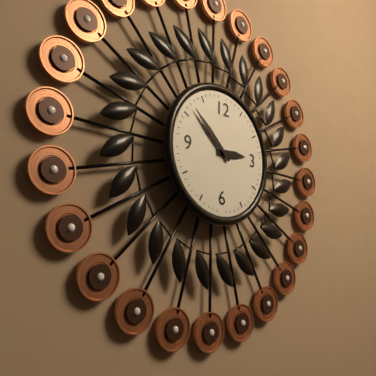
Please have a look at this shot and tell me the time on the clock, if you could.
2:52
